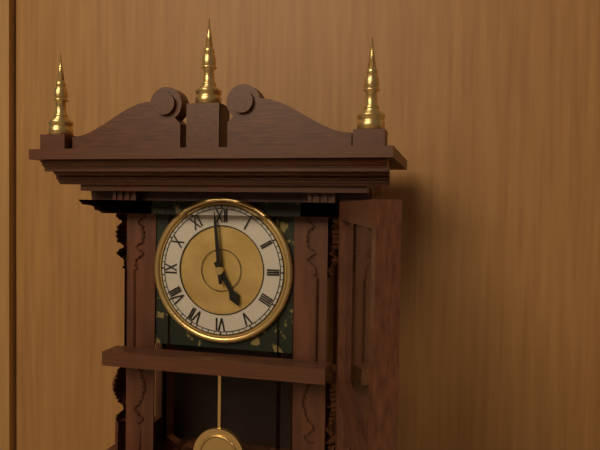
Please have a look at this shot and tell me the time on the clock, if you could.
4:59
